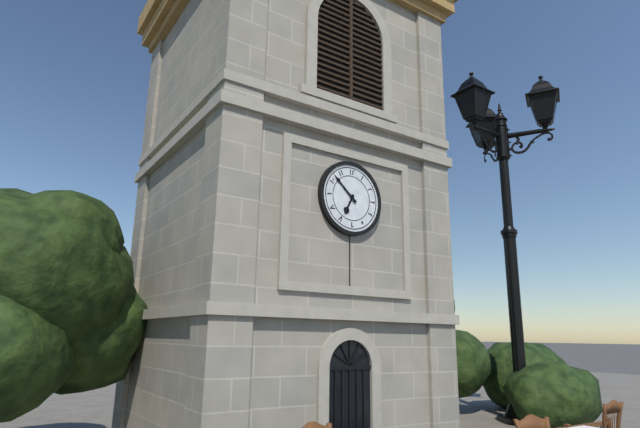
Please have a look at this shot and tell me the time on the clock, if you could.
6:52
